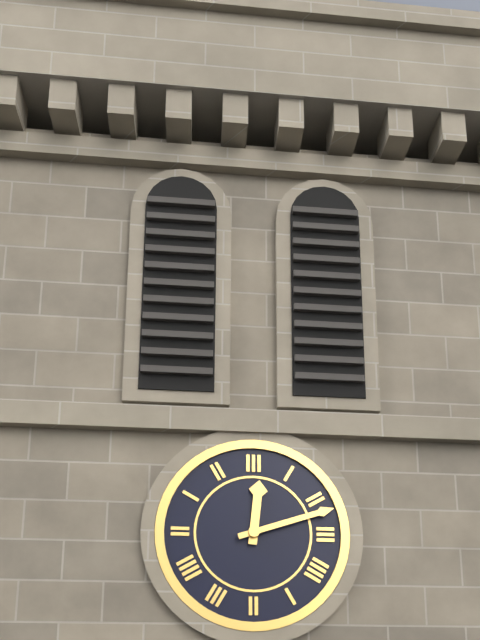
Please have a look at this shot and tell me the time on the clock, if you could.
12:12
